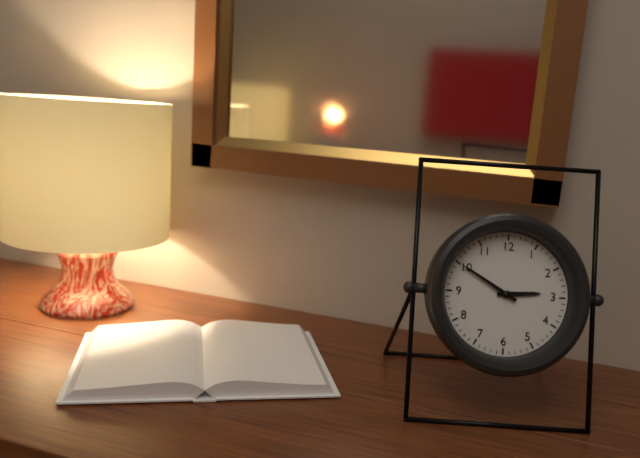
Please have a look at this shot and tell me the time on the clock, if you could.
2:50
